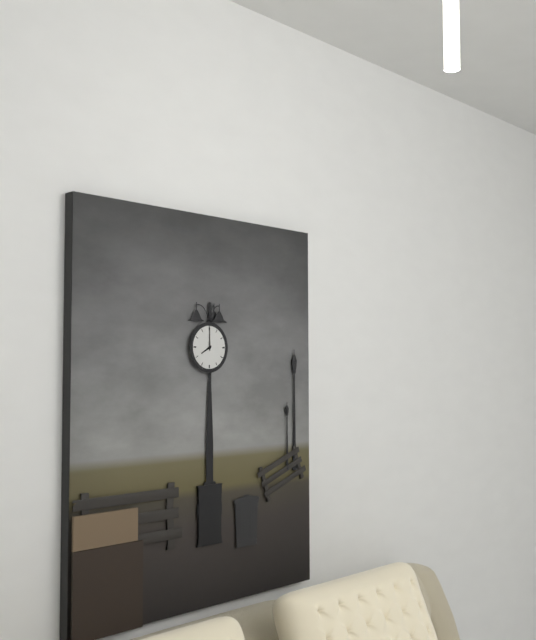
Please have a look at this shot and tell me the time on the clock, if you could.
8:00
